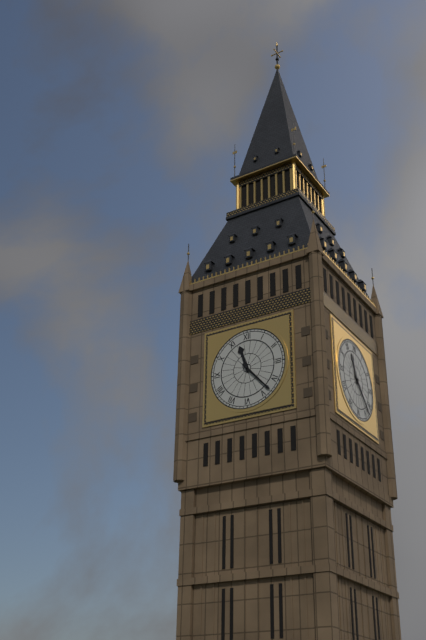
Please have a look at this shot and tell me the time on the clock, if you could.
11:23
